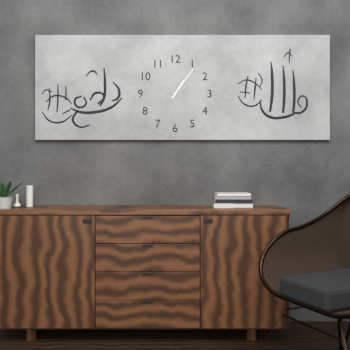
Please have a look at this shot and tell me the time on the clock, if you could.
1:06
